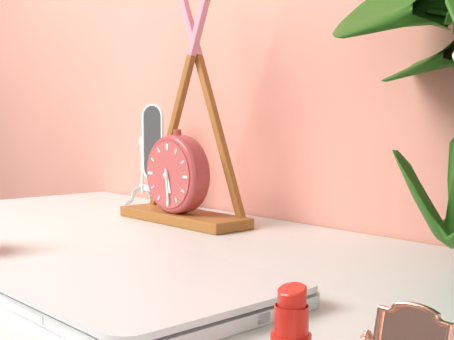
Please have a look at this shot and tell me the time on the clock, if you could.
5:29
